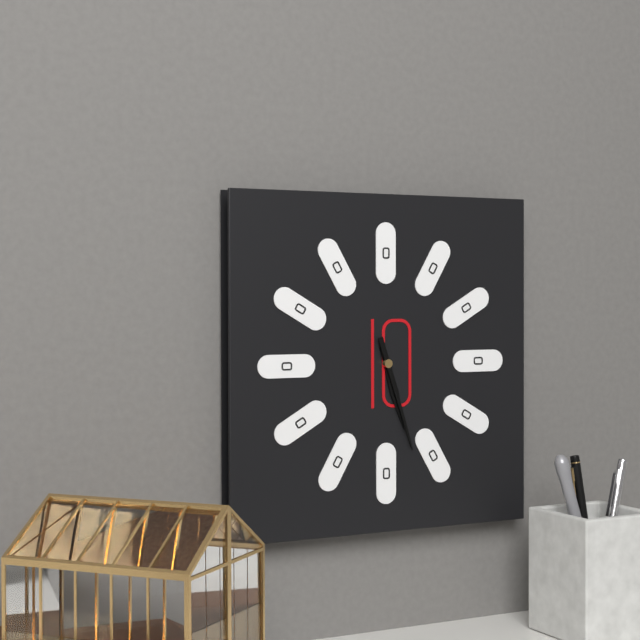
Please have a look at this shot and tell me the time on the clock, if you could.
5:27
